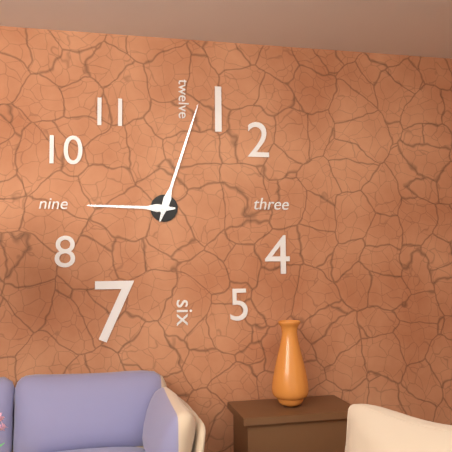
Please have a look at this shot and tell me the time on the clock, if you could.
9:03
